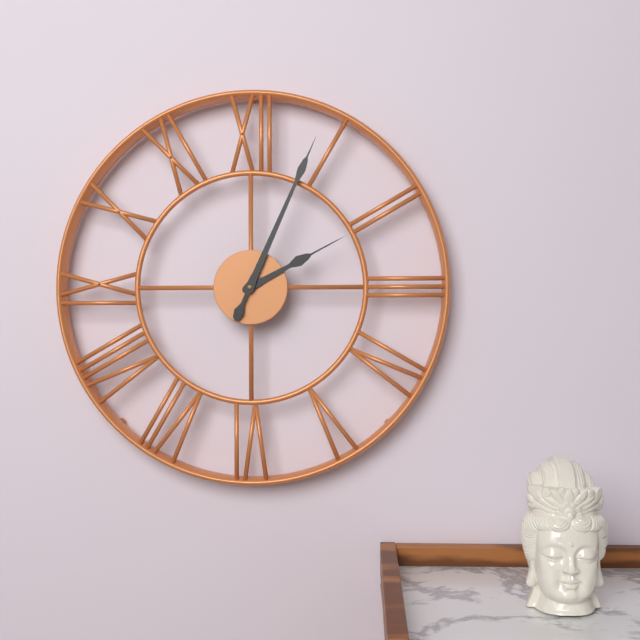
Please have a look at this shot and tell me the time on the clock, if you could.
2:04
